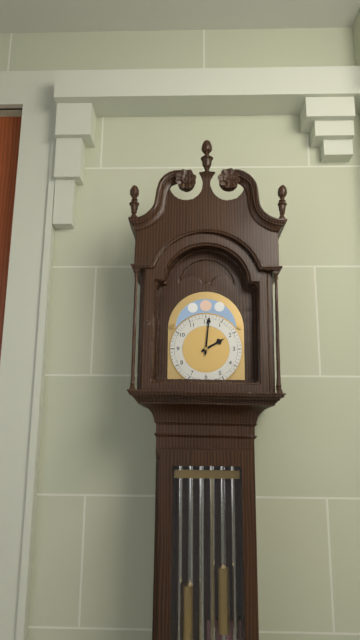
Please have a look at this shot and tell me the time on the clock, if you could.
2:01
